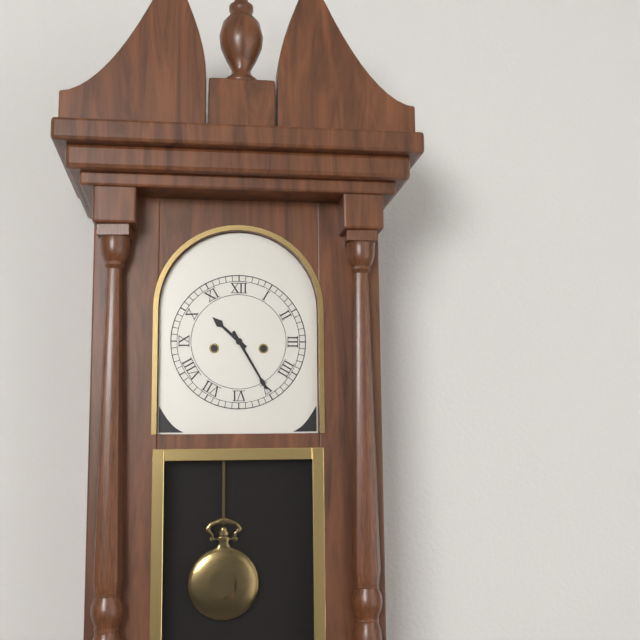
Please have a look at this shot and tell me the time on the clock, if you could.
10:25
